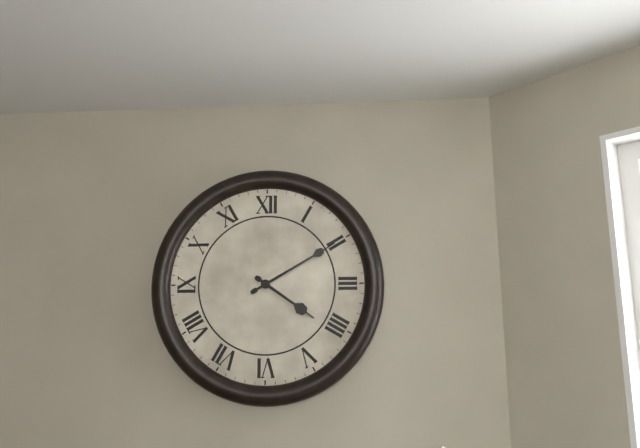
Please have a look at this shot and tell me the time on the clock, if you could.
4:10
